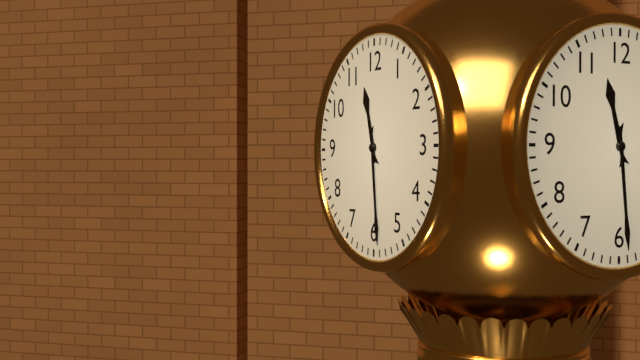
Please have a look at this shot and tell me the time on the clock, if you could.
11:29
